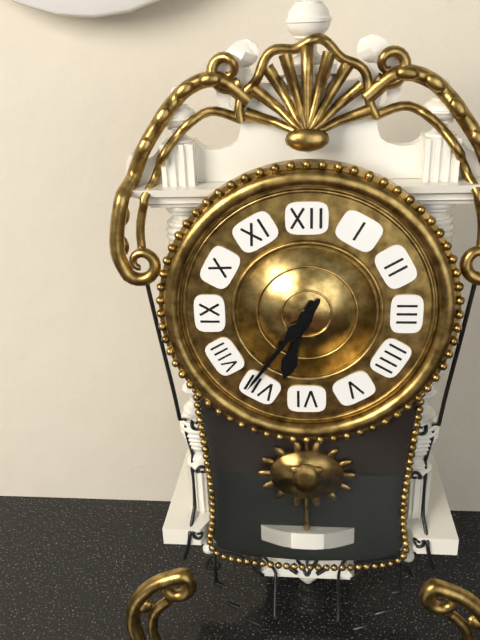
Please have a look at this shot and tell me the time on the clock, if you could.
6:36
